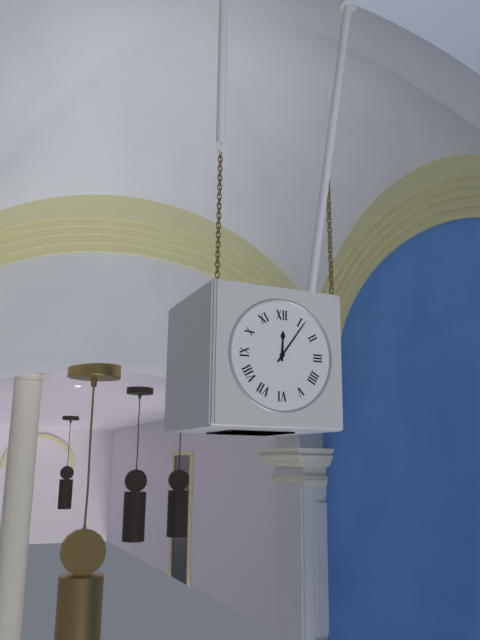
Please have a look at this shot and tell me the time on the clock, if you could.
12:06
